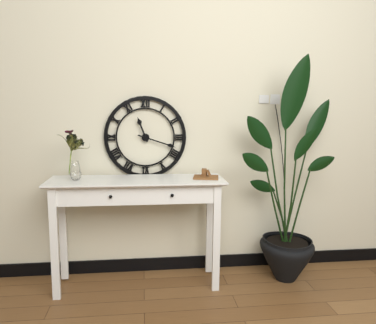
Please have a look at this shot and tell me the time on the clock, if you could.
11:18
